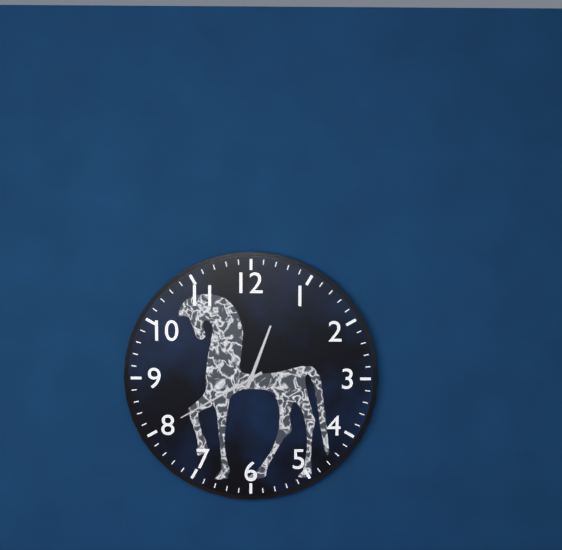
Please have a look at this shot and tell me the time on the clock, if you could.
12:40
